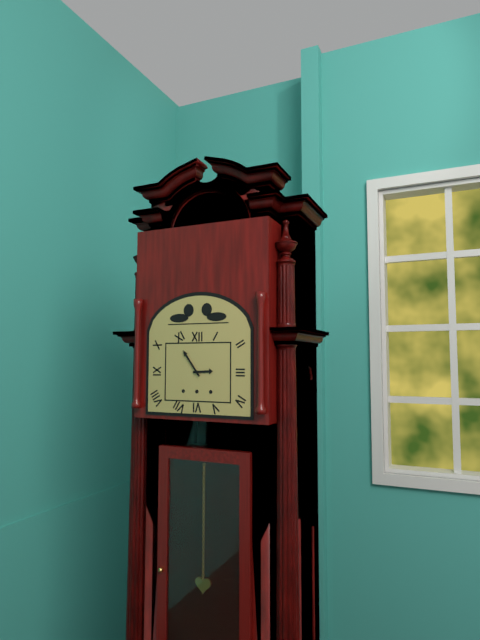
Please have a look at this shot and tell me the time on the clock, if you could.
2:54
